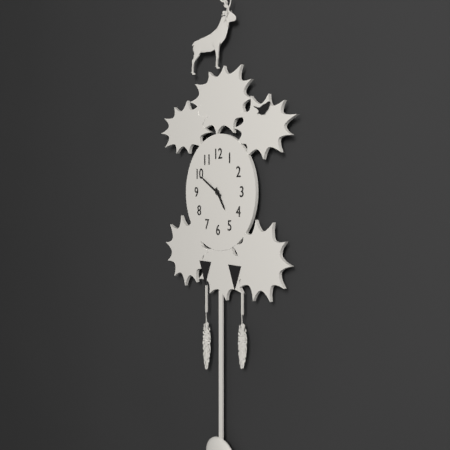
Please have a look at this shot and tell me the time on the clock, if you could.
4:50
